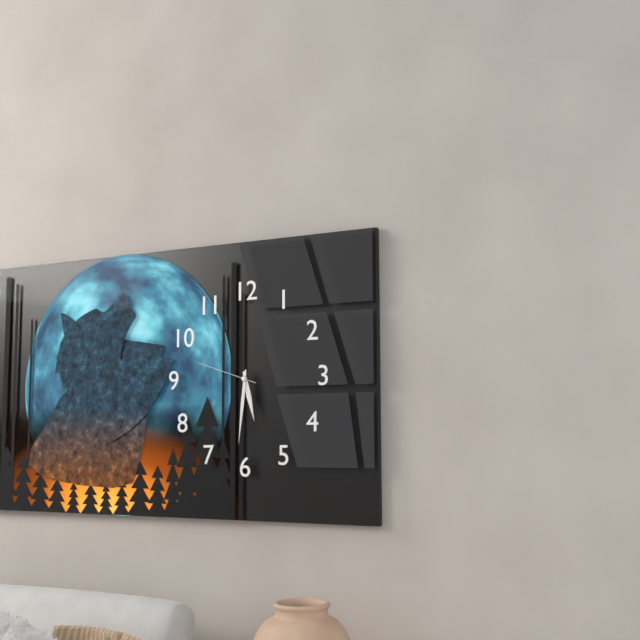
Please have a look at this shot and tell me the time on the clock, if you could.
5:31:48
